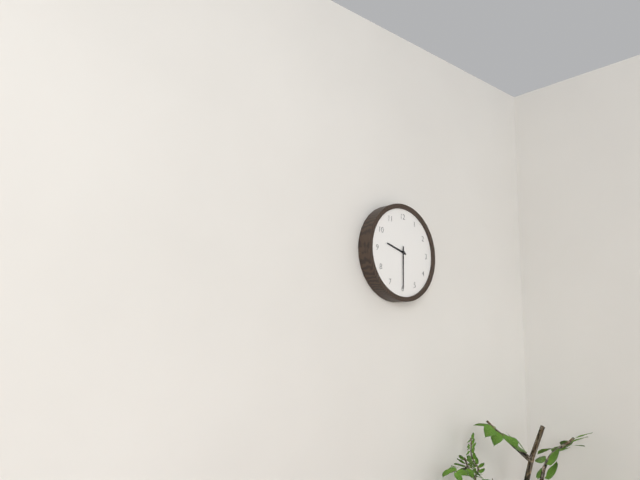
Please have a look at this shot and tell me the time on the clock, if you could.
9:30
